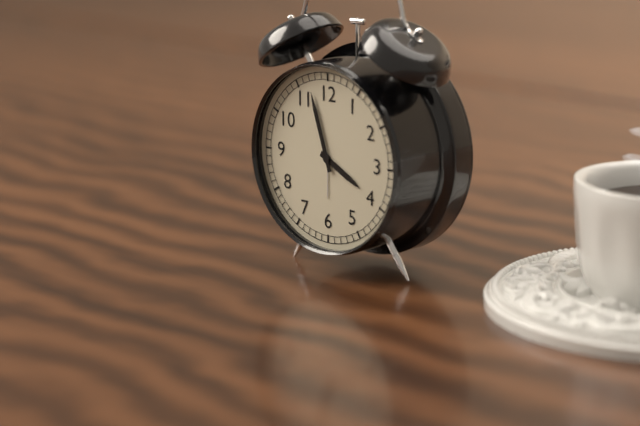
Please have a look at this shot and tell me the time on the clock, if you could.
3:57
